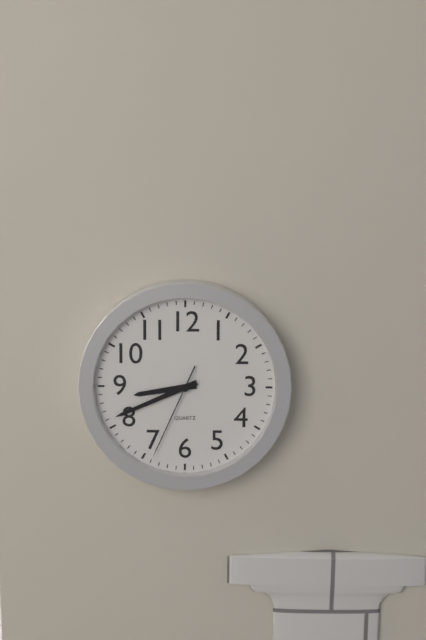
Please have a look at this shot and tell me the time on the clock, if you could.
8:41:34
